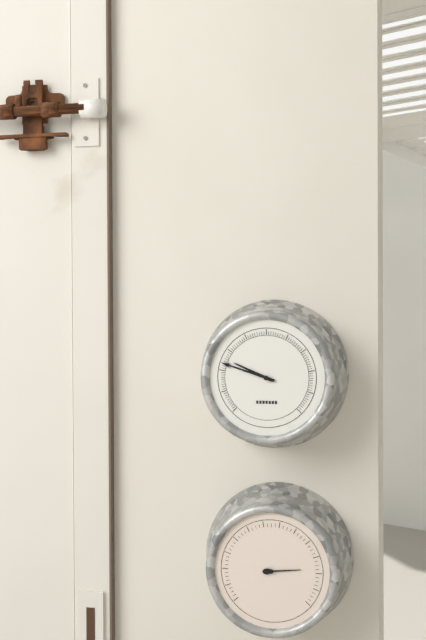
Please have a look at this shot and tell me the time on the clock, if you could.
9:48
